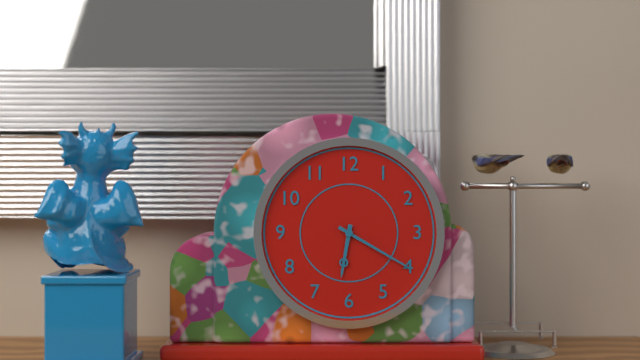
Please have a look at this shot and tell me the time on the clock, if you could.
6:20
